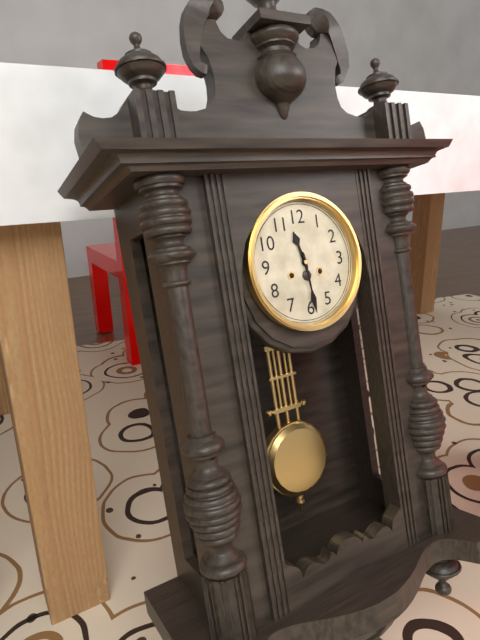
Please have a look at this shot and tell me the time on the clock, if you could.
11:29
